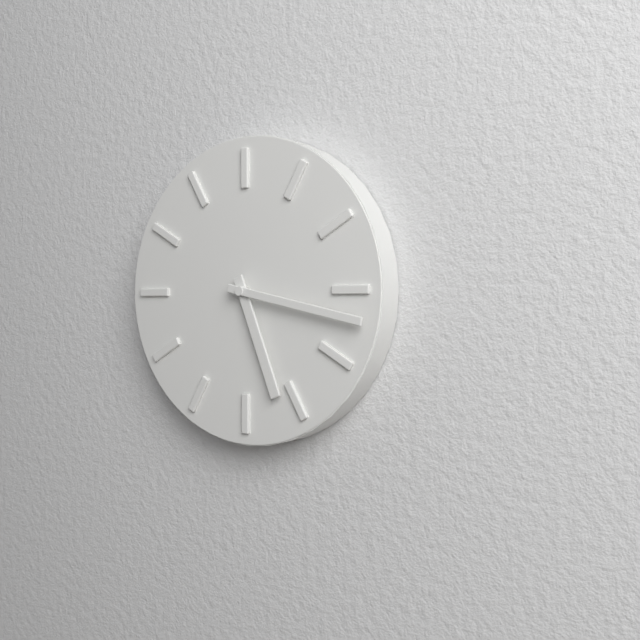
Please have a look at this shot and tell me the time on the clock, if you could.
5:17
